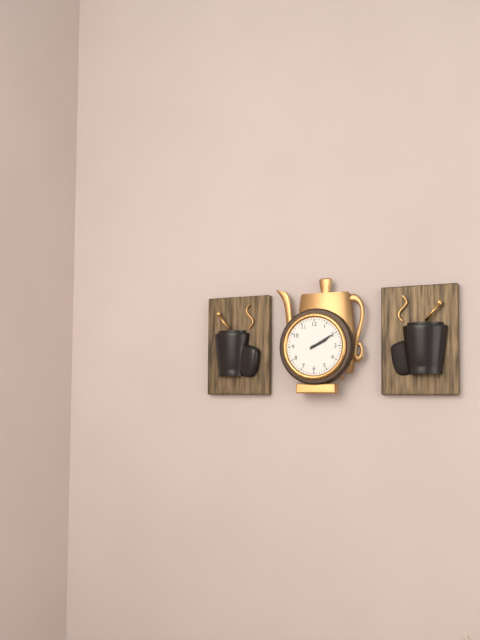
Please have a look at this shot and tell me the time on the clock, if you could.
2:10
